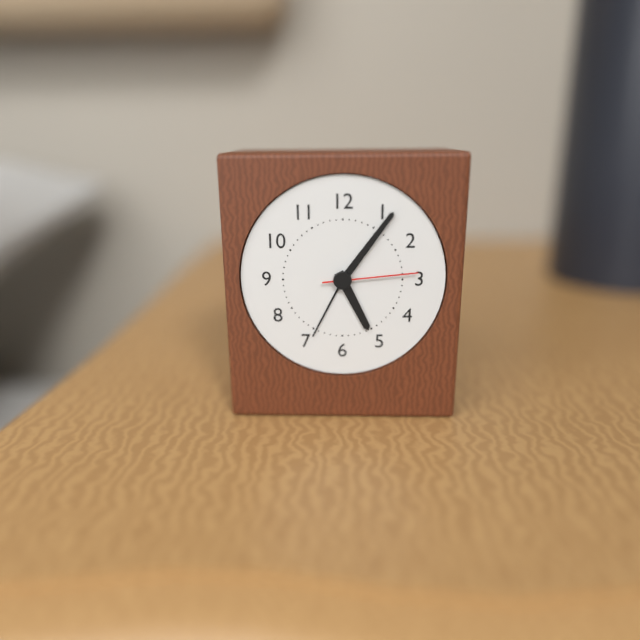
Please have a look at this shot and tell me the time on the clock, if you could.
5:06:14
